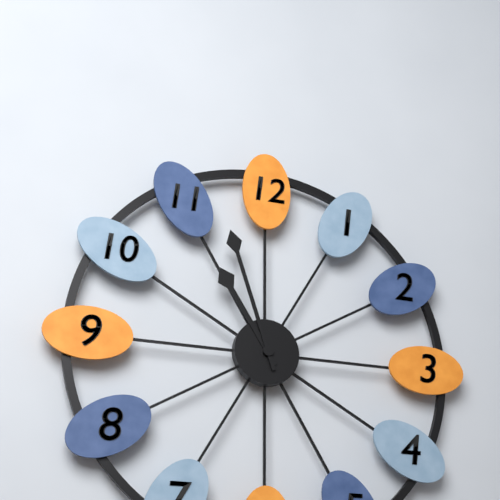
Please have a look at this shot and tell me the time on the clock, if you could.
10:57
